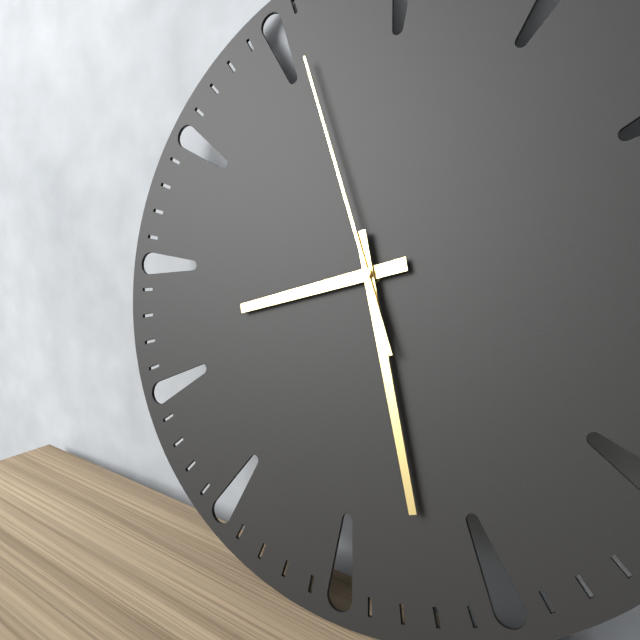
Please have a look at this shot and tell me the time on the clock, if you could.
8:27:56
